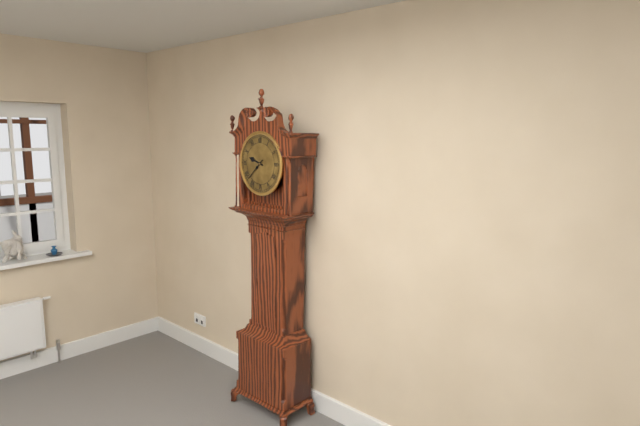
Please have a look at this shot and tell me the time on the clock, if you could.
9:38
